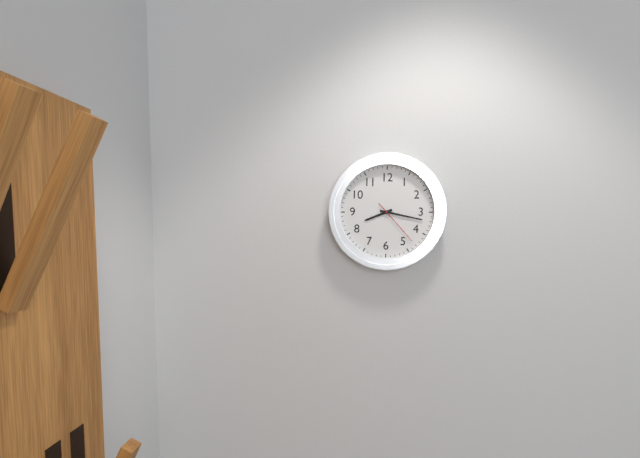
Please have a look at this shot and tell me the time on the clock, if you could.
8:17
